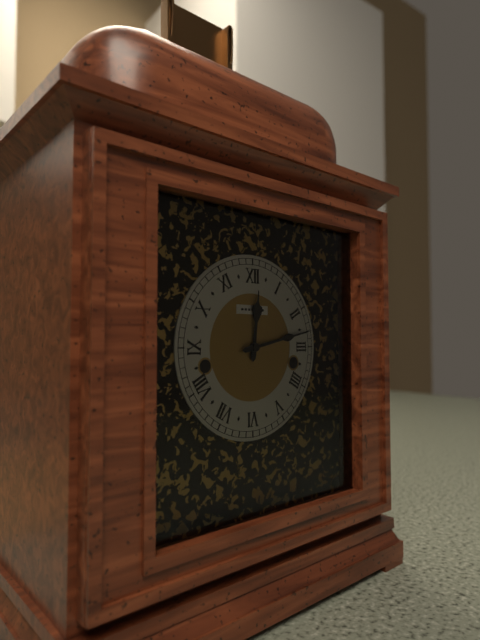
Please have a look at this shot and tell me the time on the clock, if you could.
12:13
